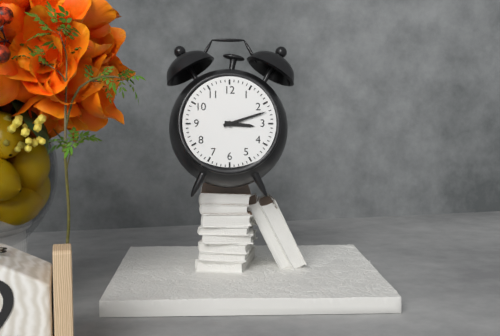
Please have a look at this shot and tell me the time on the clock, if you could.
3:12
